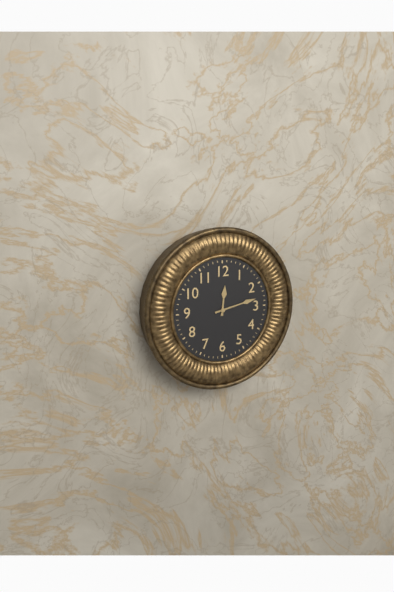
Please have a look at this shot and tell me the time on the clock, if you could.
12:13
